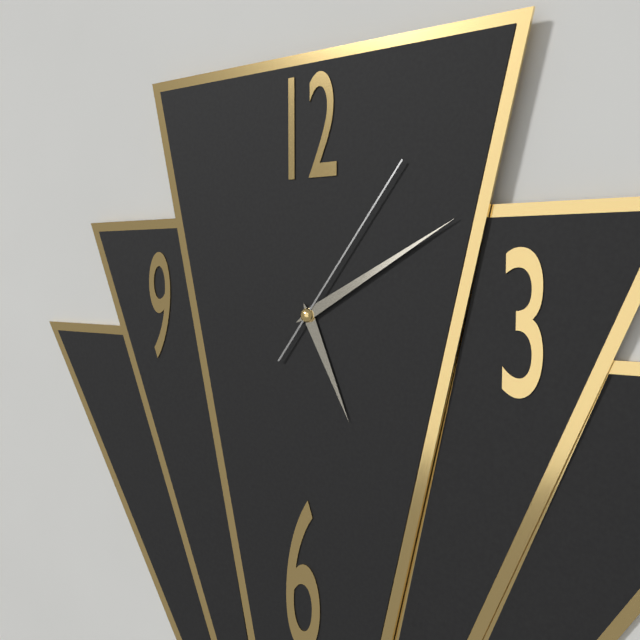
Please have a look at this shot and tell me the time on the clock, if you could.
5:10:06
